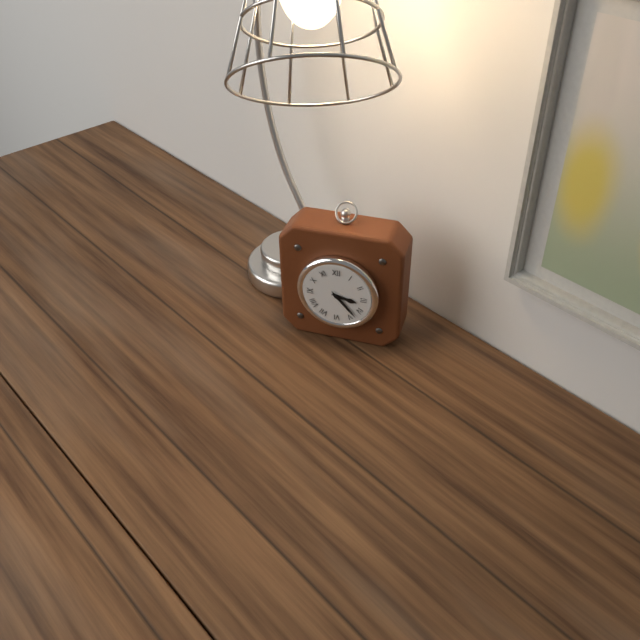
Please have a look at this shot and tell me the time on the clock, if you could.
3:23
